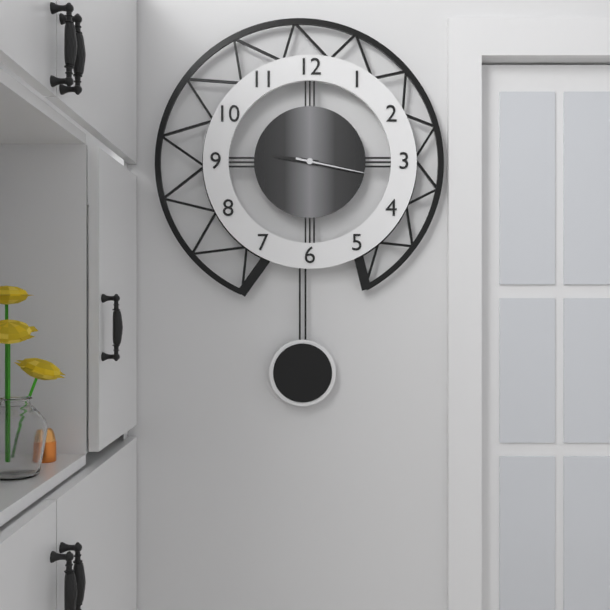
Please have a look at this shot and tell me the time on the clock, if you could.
9:17:17
